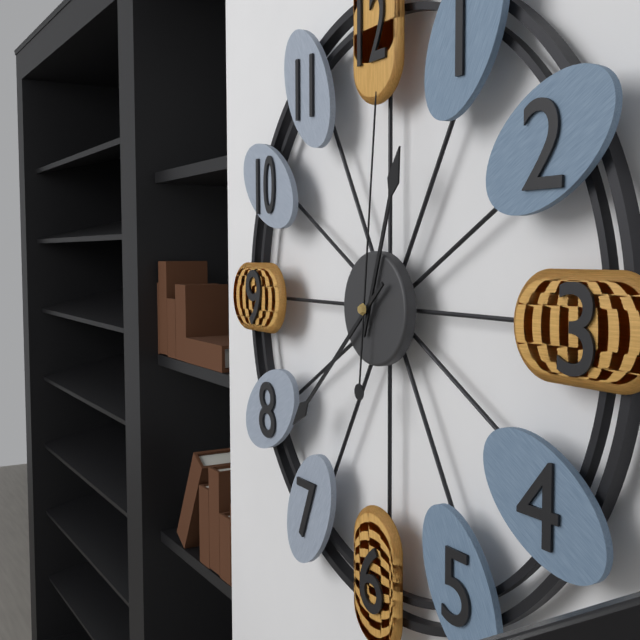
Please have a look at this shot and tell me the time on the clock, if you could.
12:38:01
